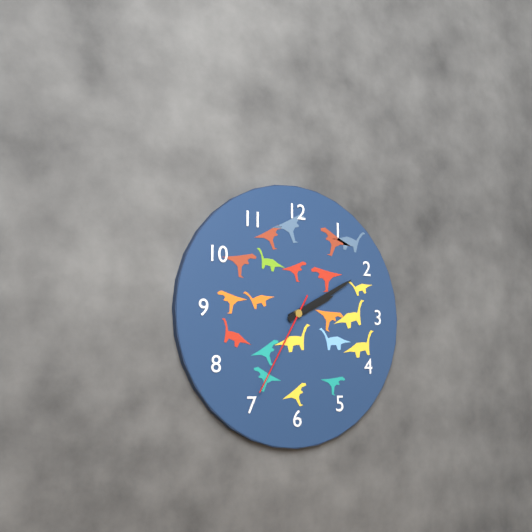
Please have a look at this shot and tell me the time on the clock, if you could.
2:10:35
